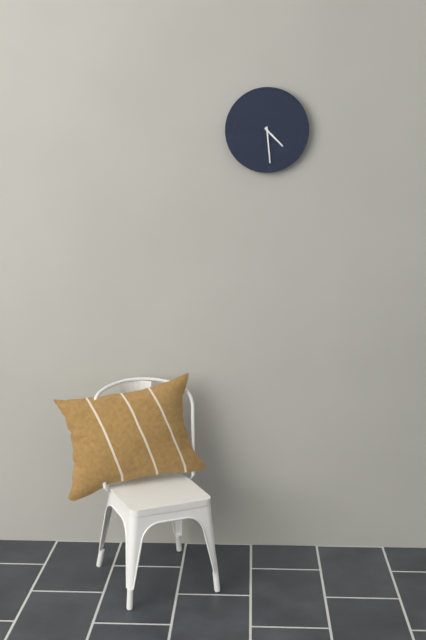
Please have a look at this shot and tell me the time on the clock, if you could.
4:29
